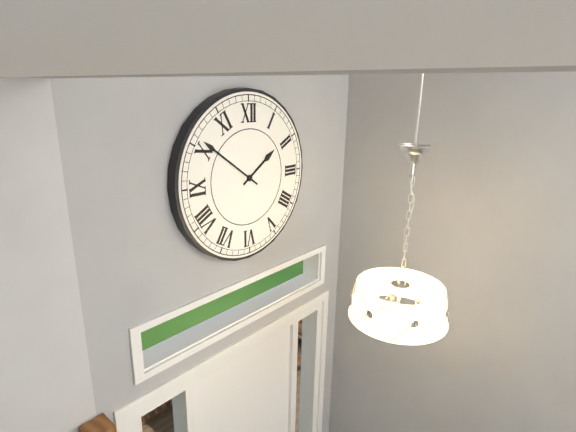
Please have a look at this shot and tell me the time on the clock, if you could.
1:51
